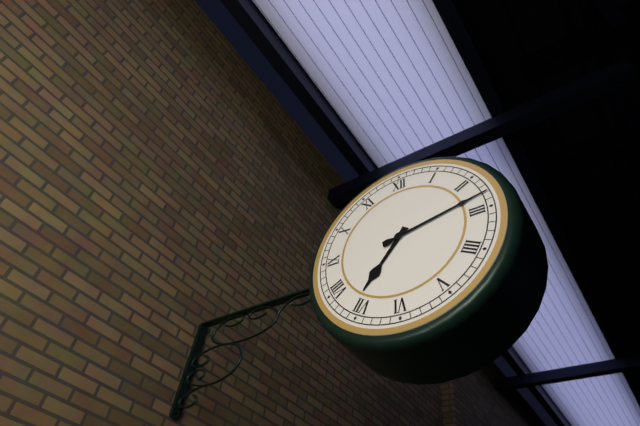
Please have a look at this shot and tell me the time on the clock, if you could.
7:13
